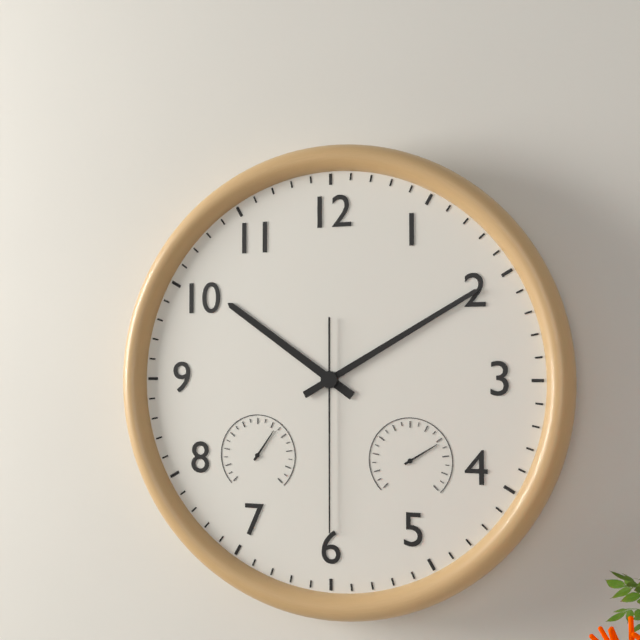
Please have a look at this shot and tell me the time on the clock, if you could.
10:10:30
